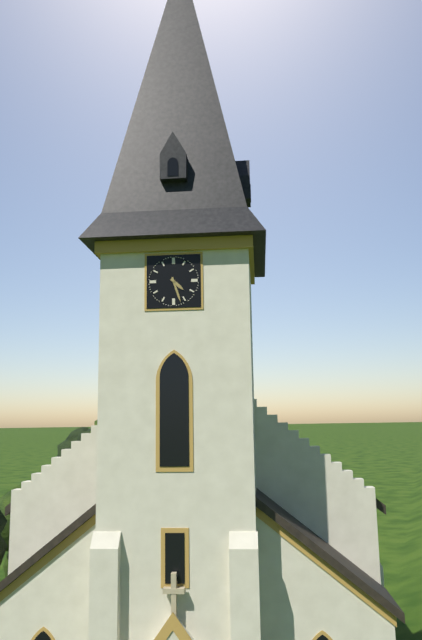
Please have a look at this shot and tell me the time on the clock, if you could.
4:27
